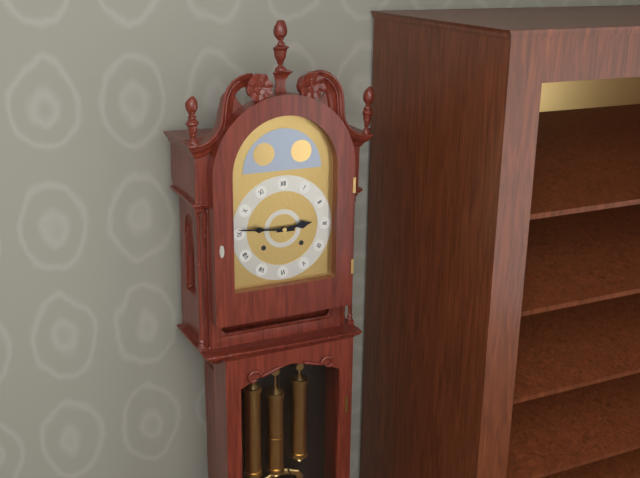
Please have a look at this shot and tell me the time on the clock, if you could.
2:46
